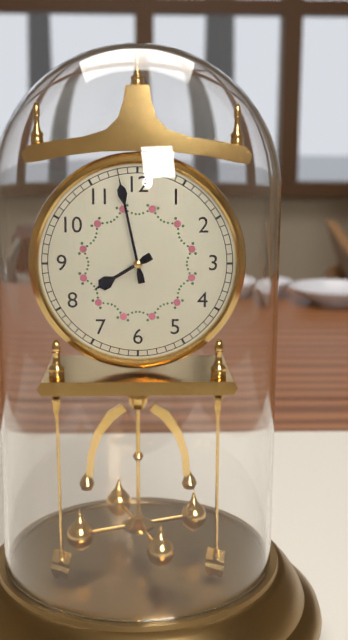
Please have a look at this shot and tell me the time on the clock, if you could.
7:58
